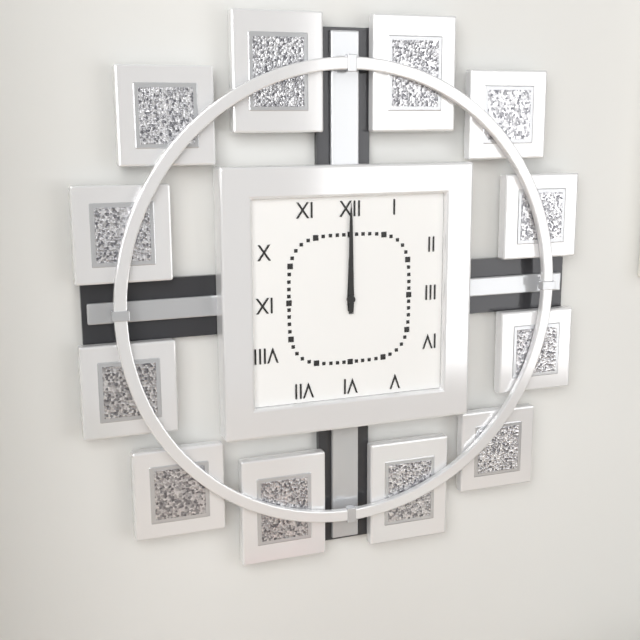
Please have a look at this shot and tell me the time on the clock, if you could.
12:00
